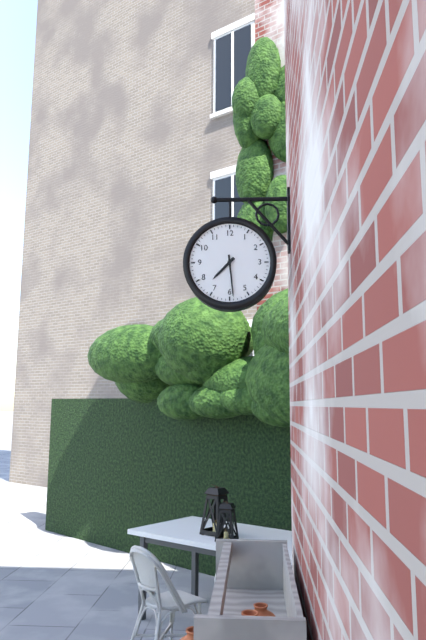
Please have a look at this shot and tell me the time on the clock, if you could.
7:29
